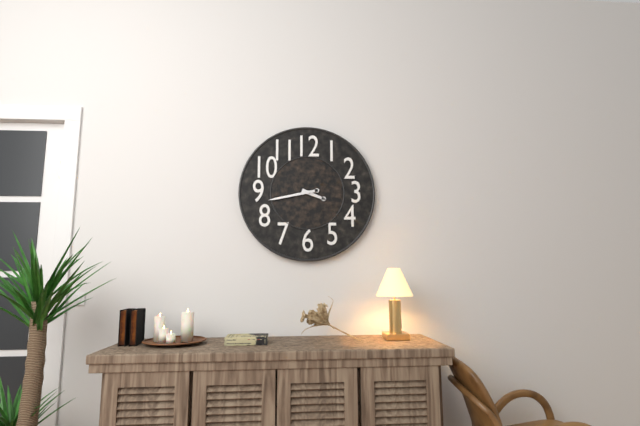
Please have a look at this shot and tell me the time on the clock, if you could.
3:43
